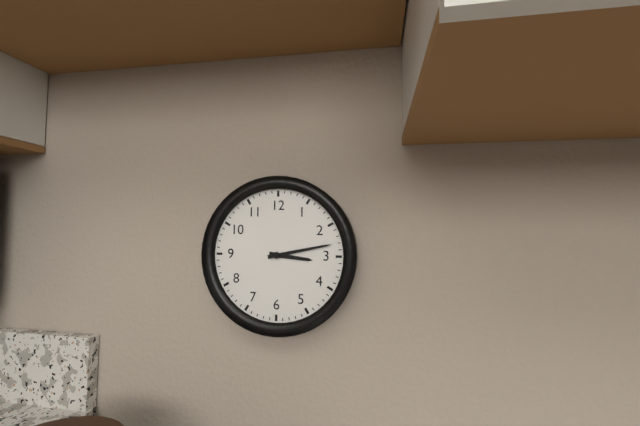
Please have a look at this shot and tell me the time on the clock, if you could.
3:13
